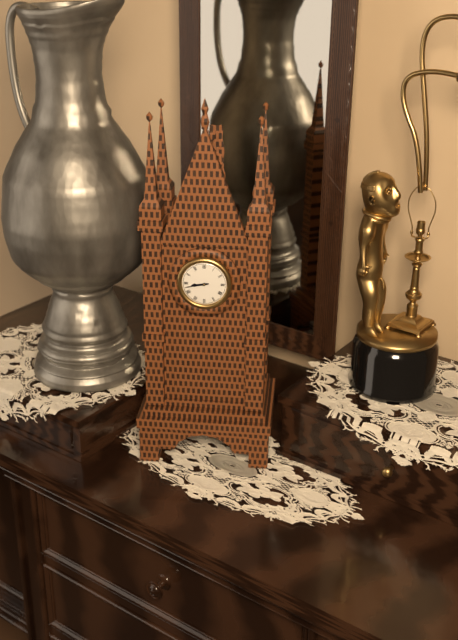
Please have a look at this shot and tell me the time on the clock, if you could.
8:43
